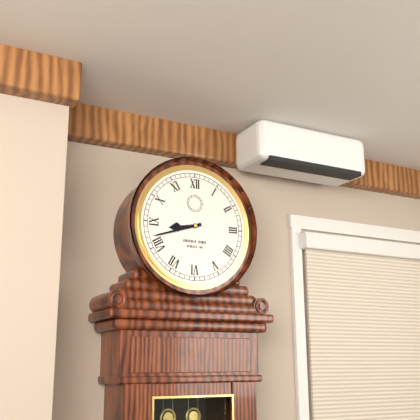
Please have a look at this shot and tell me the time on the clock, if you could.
8:42
